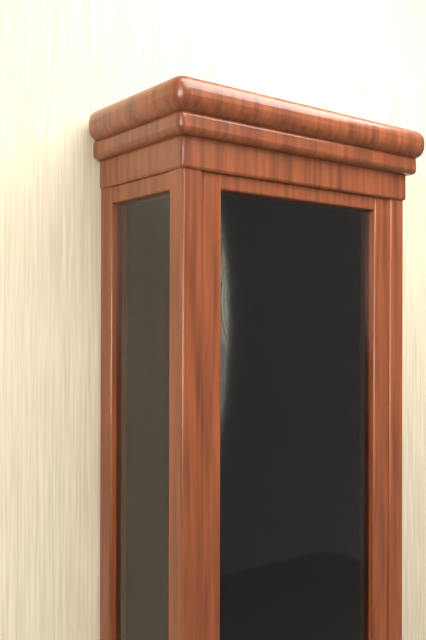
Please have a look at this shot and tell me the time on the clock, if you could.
10:36
